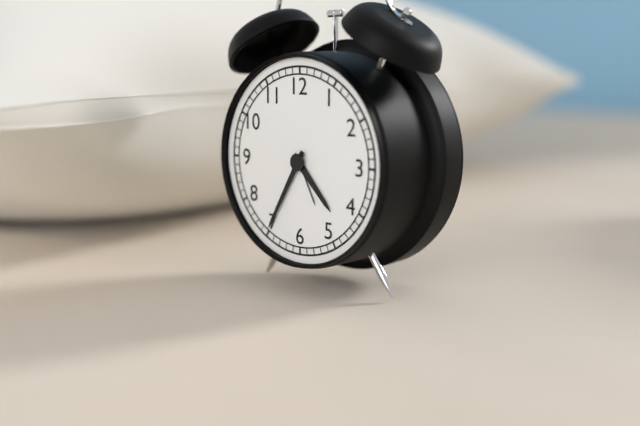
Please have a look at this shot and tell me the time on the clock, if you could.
4:35
